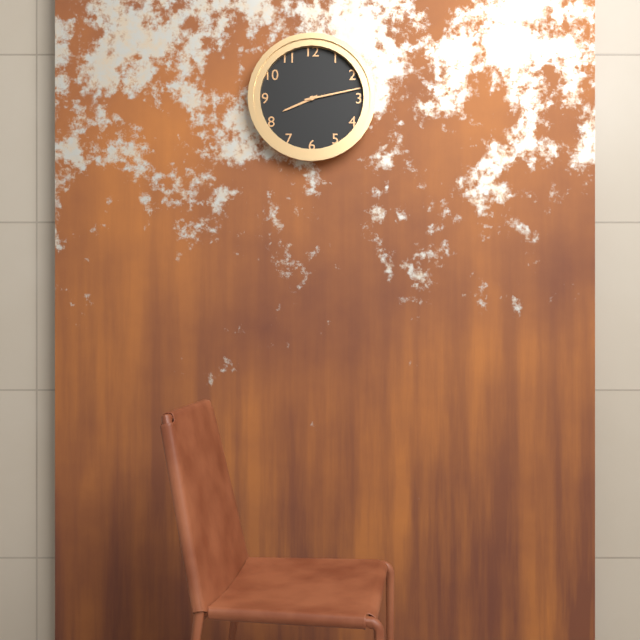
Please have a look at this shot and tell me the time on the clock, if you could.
8:13
